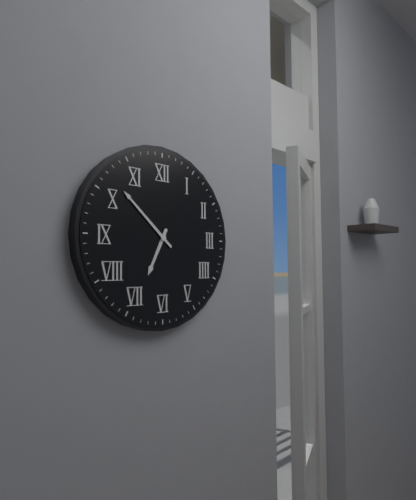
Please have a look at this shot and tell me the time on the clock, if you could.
6:52
